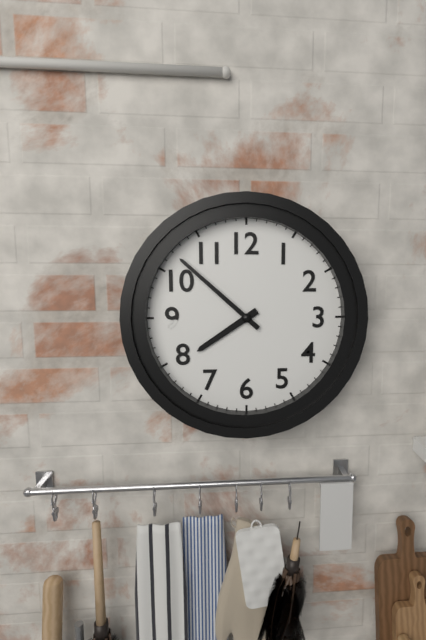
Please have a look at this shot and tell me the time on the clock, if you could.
7:52
